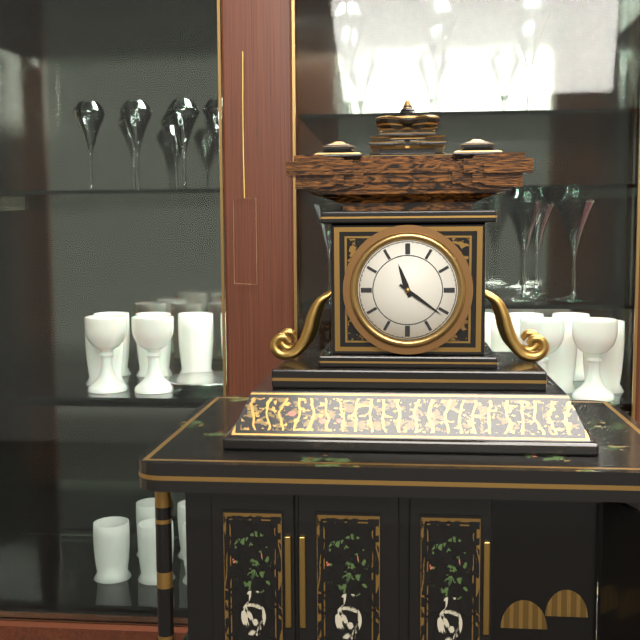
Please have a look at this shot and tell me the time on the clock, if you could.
11:21
